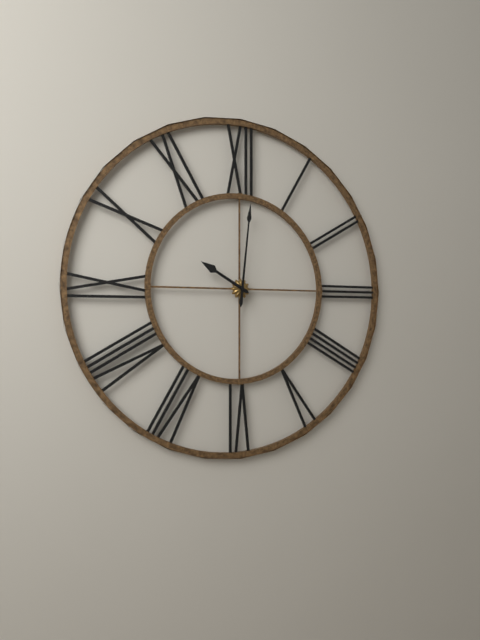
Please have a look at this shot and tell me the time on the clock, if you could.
10:01
